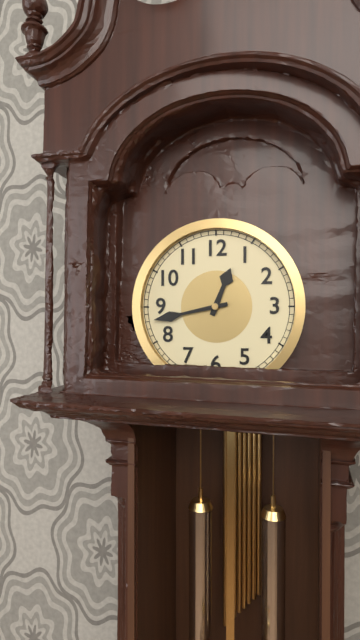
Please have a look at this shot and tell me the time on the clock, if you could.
12:43
